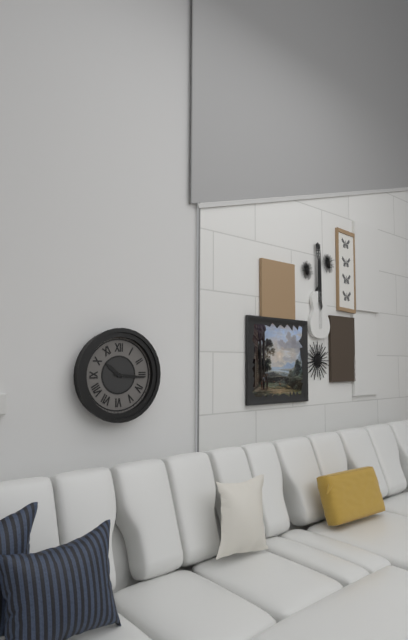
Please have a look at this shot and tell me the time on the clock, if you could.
10:16
